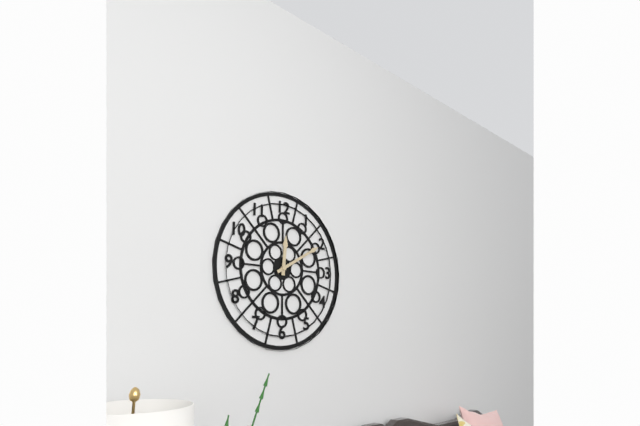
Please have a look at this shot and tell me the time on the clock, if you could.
12:10
